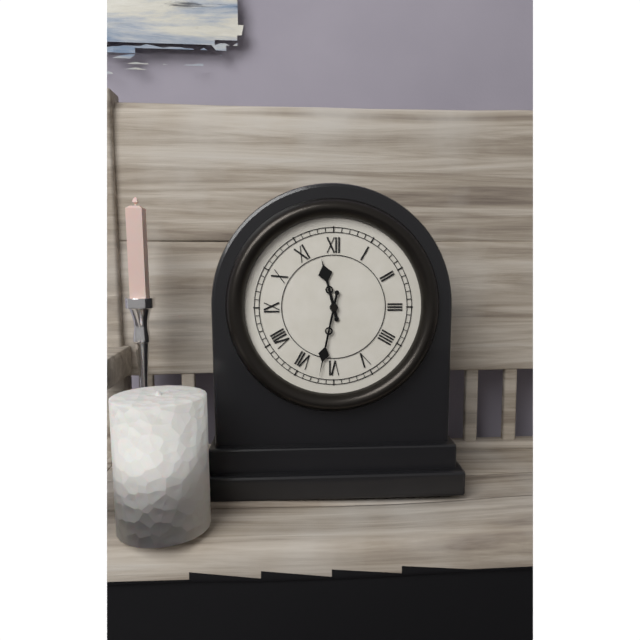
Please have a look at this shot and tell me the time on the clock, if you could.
11:32
